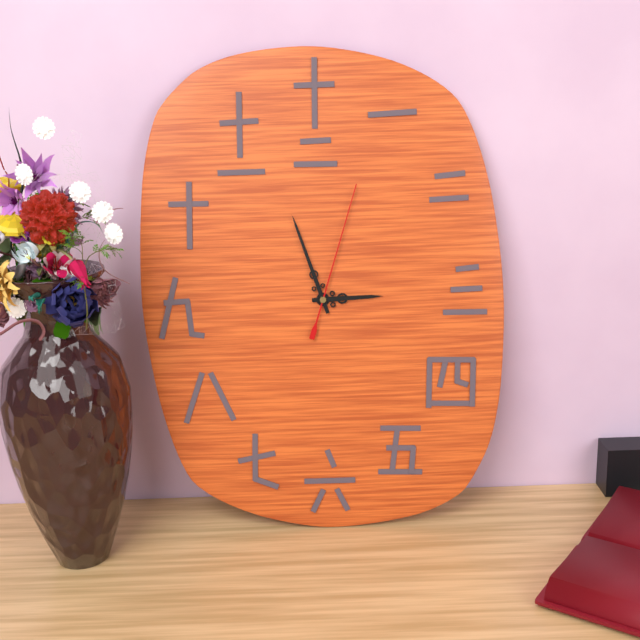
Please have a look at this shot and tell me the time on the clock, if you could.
2:57:03
